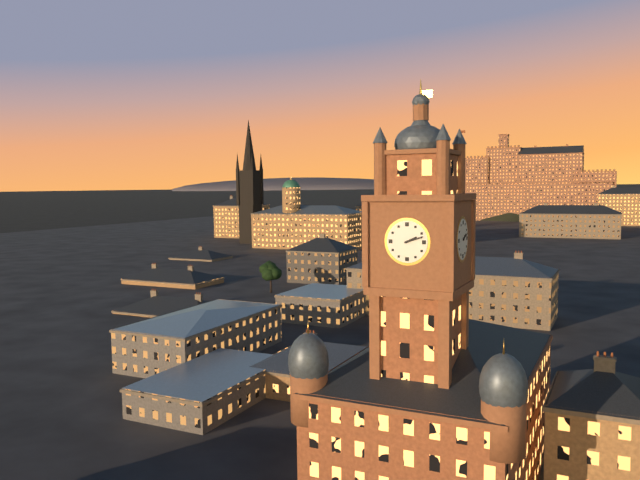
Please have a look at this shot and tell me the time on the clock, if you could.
2:12
